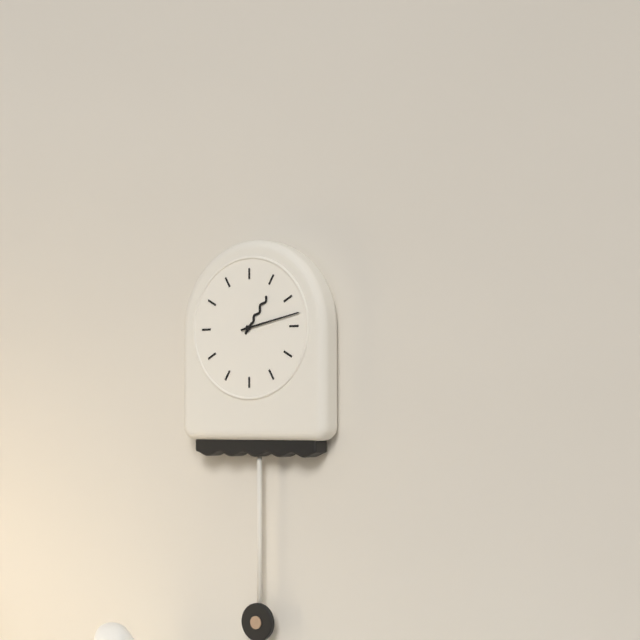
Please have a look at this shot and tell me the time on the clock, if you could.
1:13
